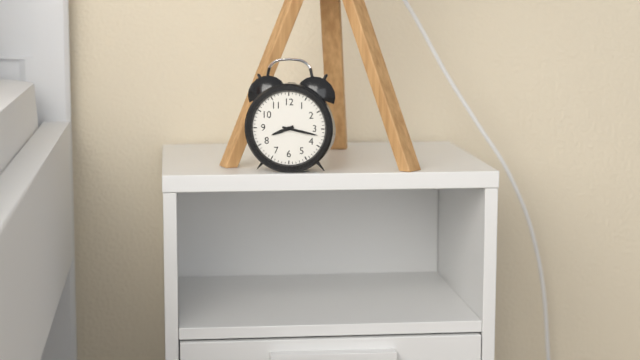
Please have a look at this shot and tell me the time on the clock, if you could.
8:17
